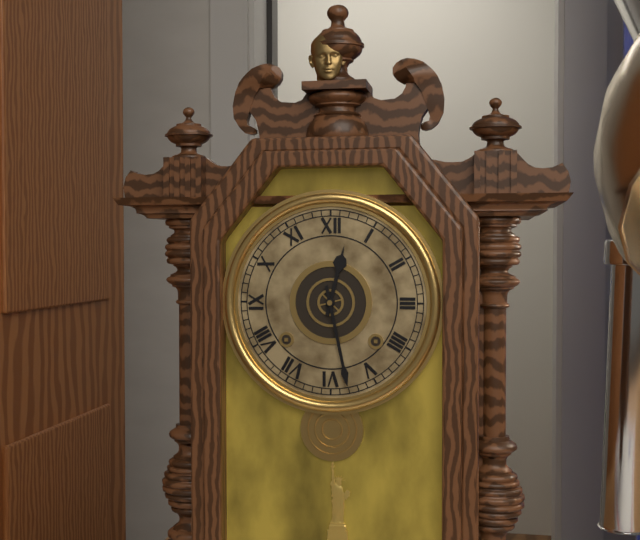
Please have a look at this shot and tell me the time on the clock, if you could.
12:28
